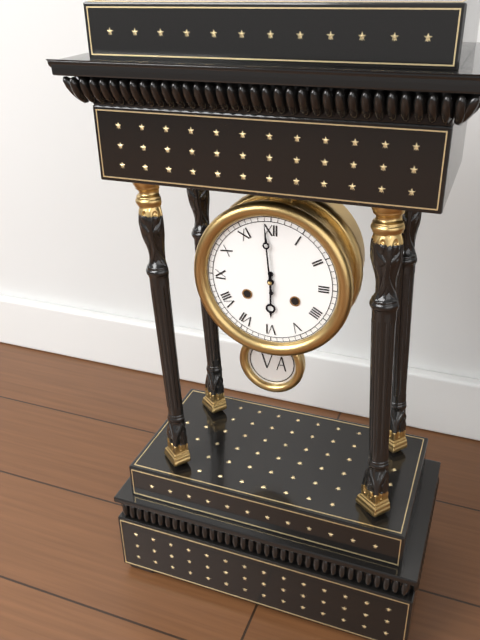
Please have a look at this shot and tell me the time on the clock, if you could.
5:59
